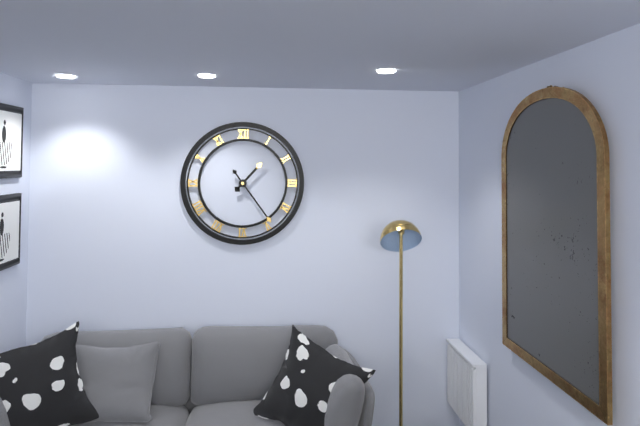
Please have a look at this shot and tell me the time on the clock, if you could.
1:24
